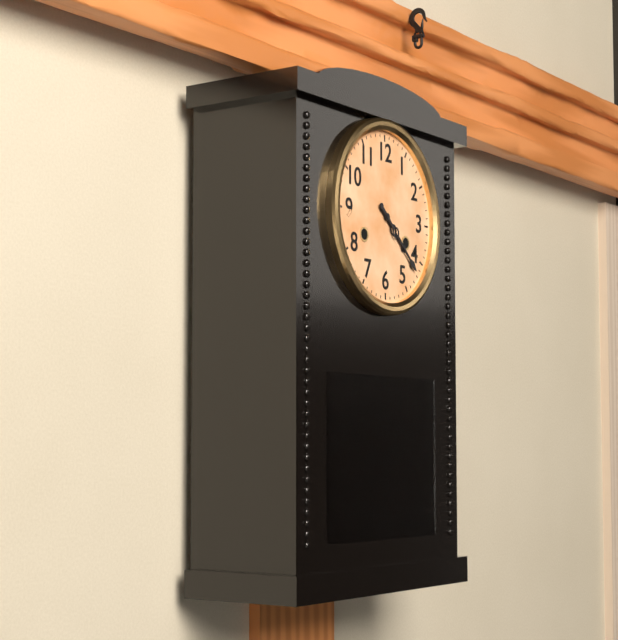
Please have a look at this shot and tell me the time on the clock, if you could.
4:22
